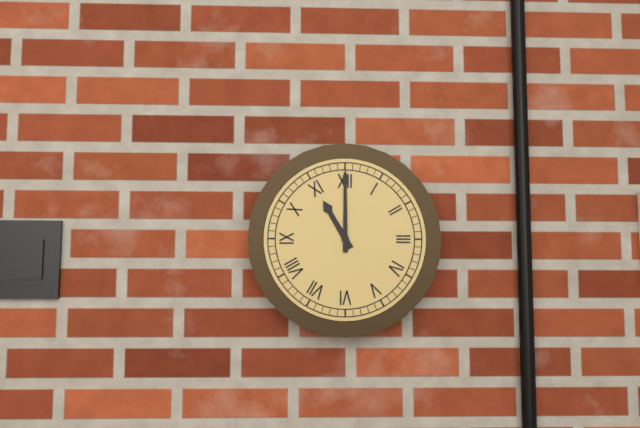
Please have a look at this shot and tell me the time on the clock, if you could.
11:00
